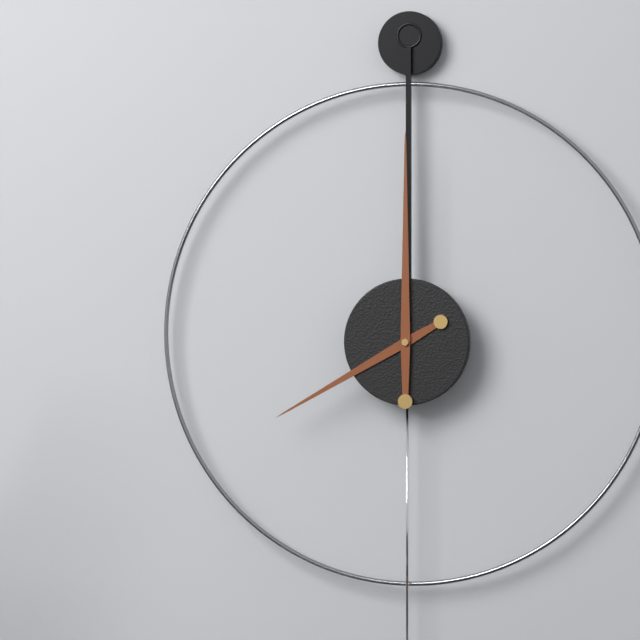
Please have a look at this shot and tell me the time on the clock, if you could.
8:00
